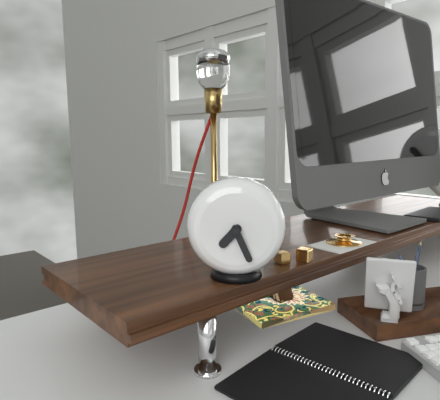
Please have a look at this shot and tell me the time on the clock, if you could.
7:26
